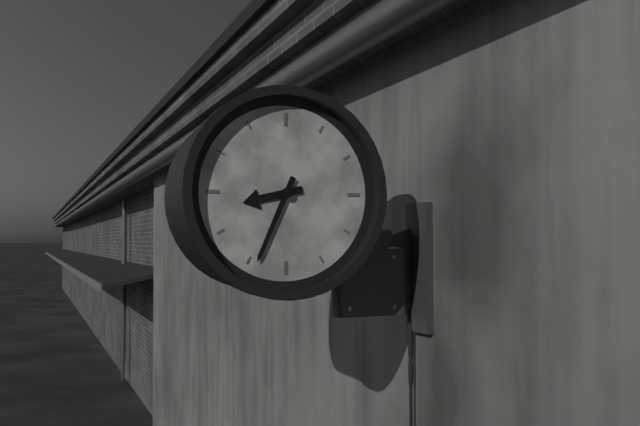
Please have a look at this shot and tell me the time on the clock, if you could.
8:34
